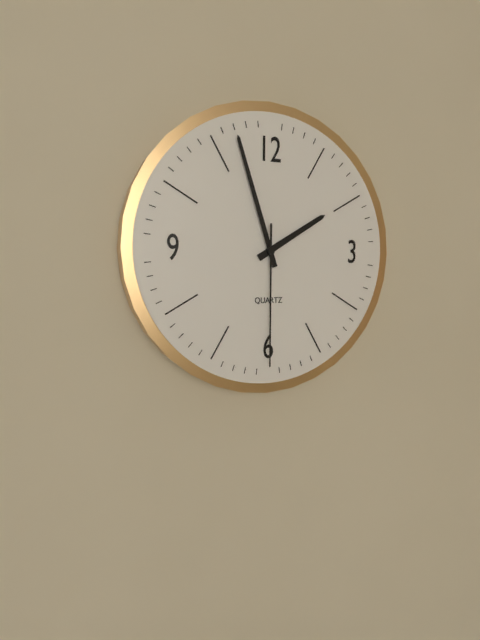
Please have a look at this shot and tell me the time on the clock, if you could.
1:57:30
